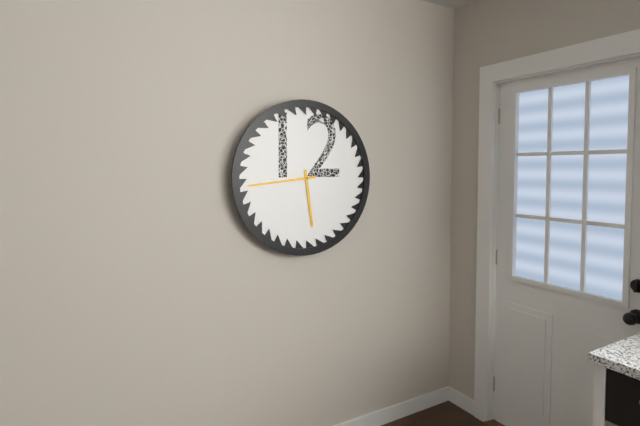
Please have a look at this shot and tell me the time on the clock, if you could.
5:44
